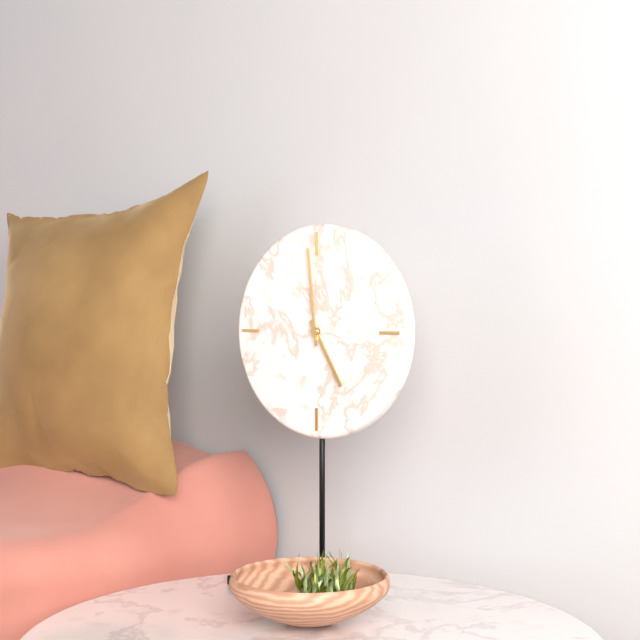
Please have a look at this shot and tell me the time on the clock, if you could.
4:59
